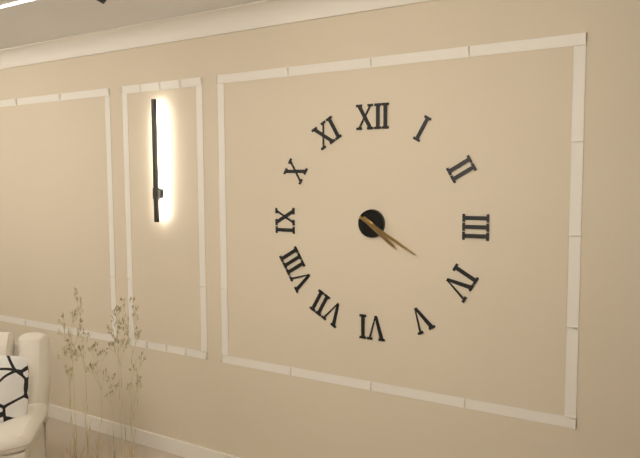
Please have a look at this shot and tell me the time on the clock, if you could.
4:20
